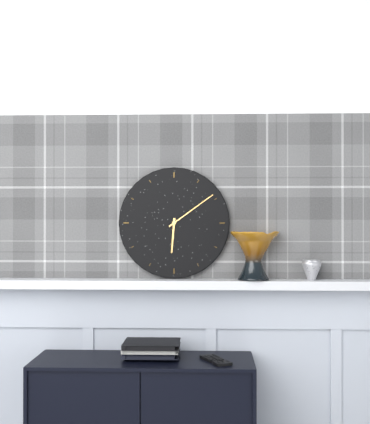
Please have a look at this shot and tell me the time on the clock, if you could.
6:09
